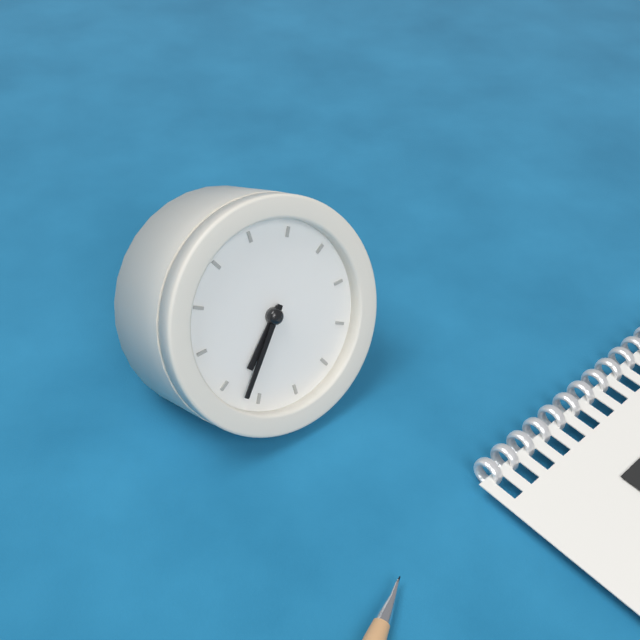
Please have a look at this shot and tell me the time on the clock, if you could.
7:37
